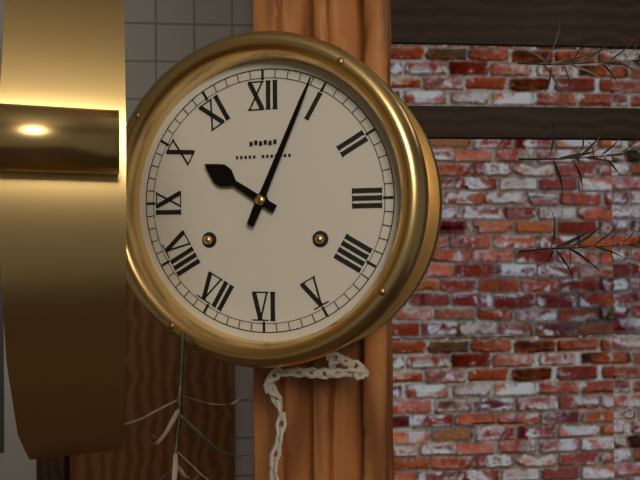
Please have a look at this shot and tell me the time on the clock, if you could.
10:04
